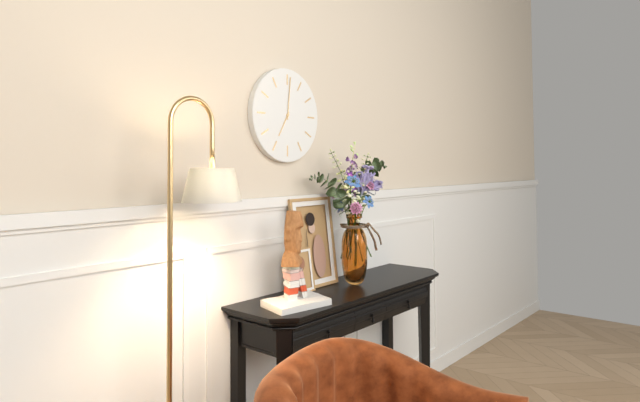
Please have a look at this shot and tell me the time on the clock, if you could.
7:01
